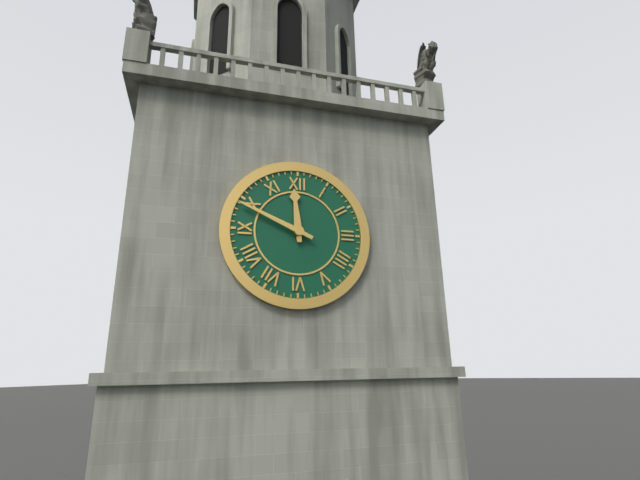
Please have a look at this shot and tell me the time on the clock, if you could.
11:49
